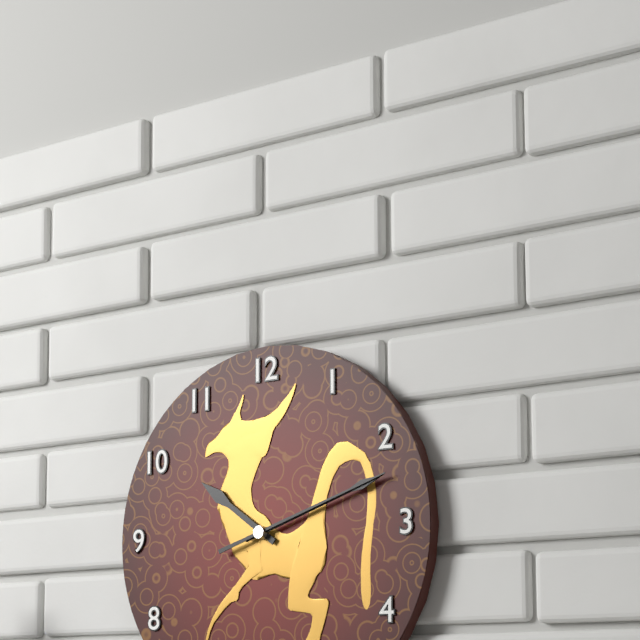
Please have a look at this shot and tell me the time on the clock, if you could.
10:12:12
